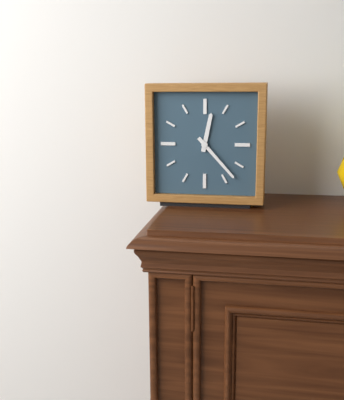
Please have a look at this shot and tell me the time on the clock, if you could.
12:23
